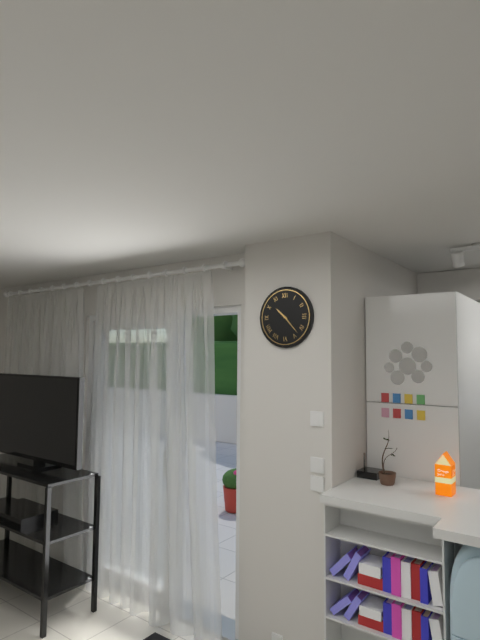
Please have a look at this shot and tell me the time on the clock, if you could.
10:23
